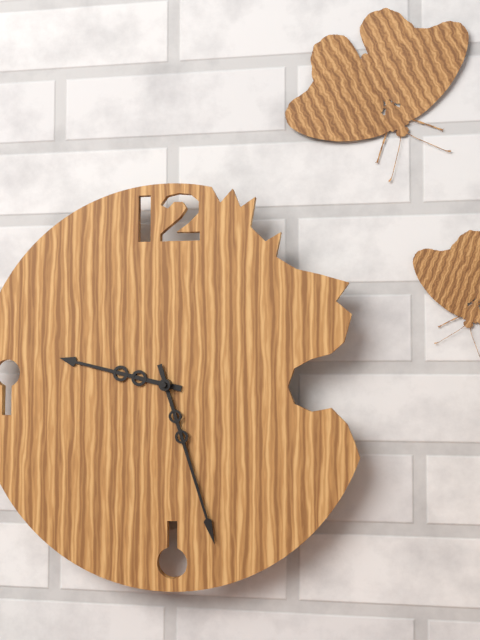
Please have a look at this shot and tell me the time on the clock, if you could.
9:27
